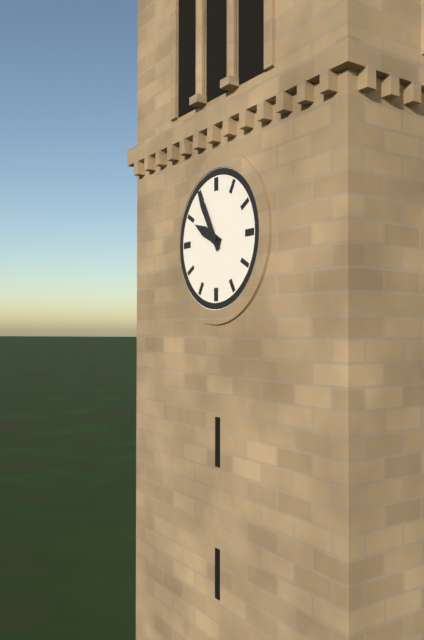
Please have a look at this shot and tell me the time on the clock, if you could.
9:55
